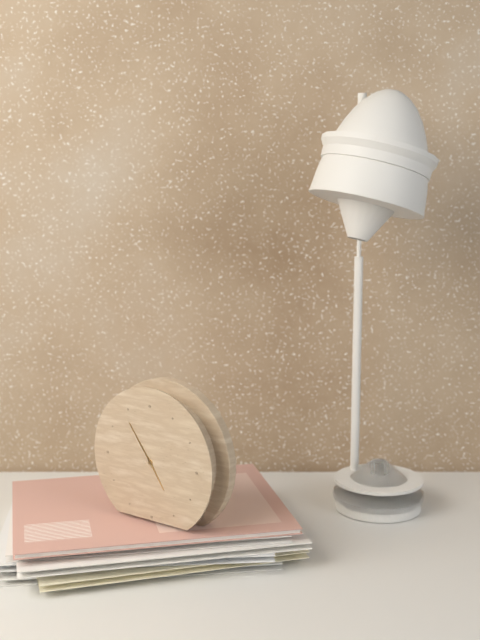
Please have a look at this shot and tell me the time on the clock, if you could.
4:54
